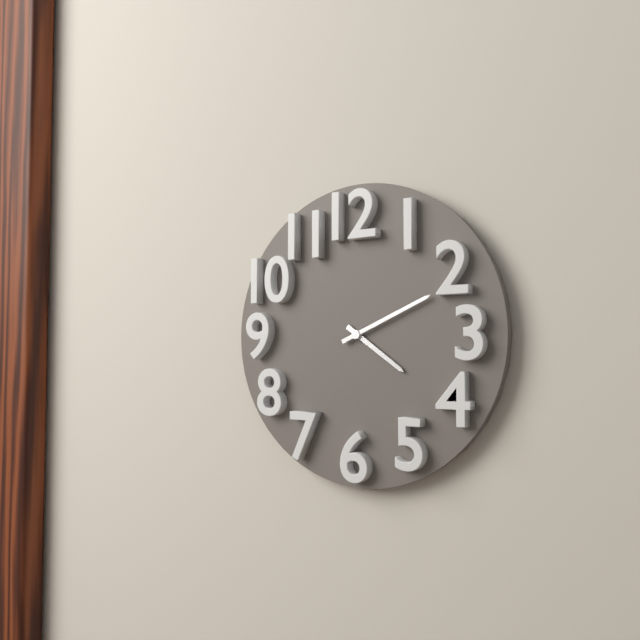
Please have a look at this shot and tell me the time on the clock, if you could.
4:11
